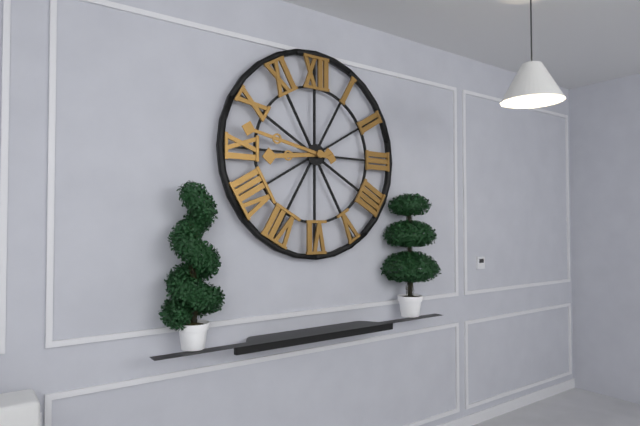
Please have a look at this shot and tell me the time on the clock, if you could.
8:47
